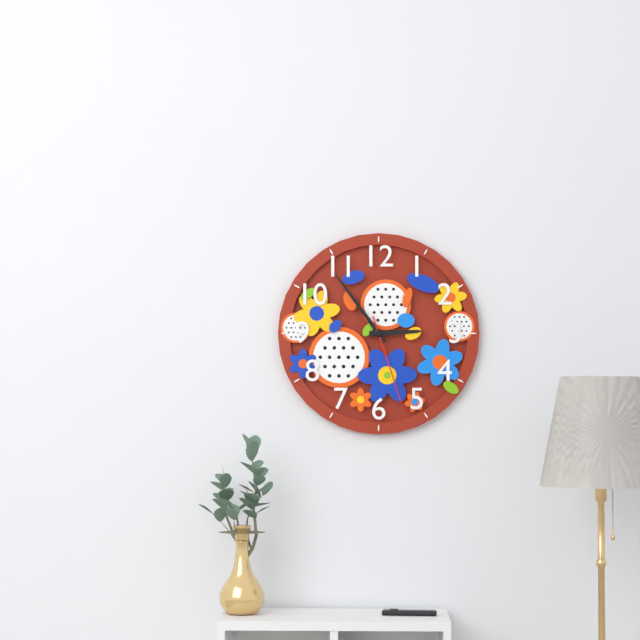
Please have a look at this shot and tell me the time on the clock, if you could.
2:54:27
